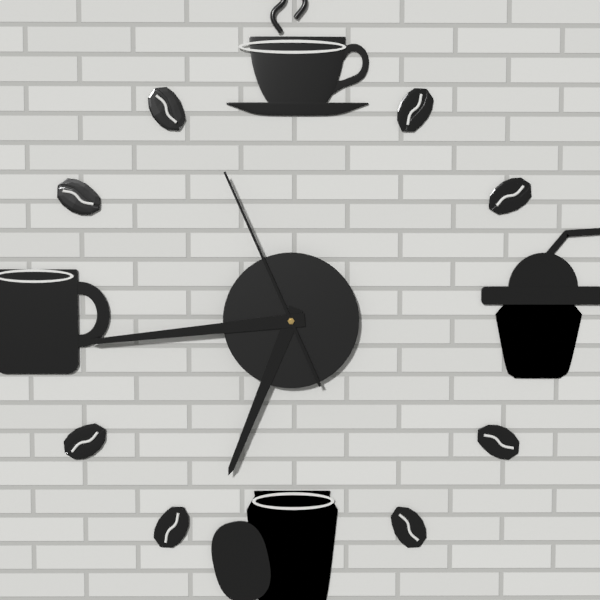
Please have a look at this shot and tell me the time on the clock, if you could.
6:44:56
